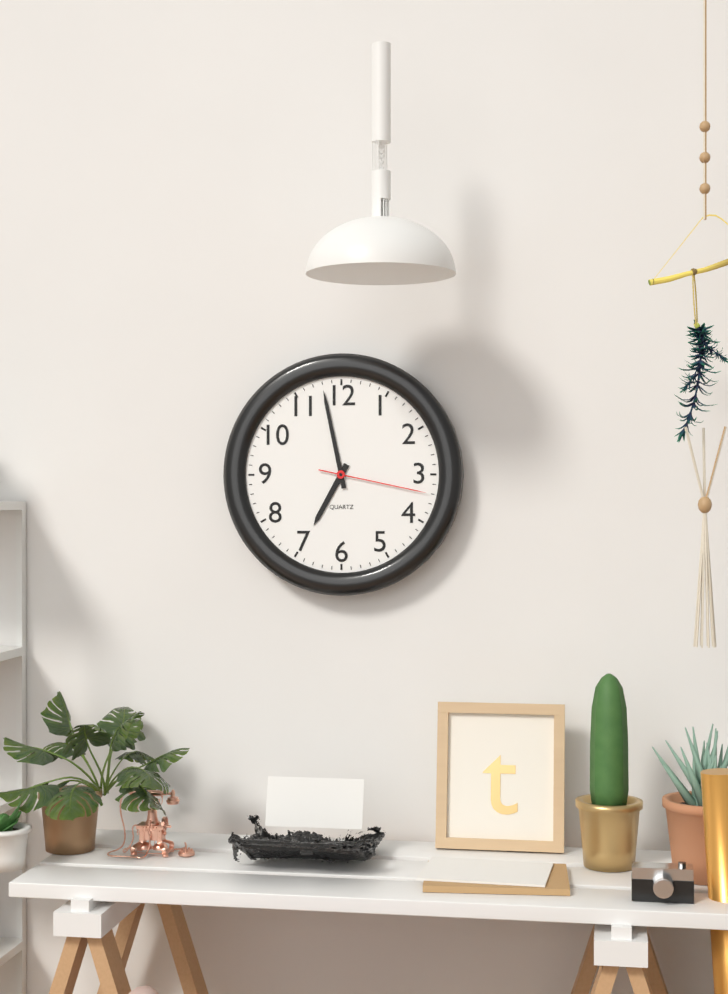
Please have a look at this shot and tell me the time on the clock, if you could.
6:58:17
